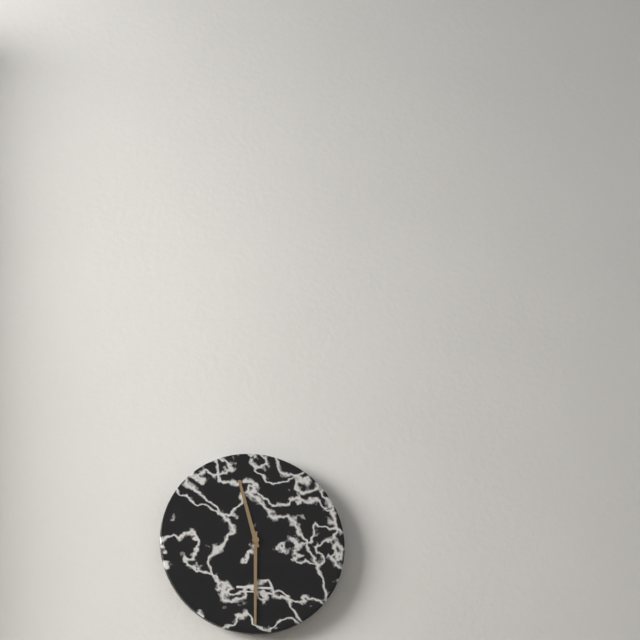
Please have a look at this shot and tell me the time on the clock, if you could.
11:30
